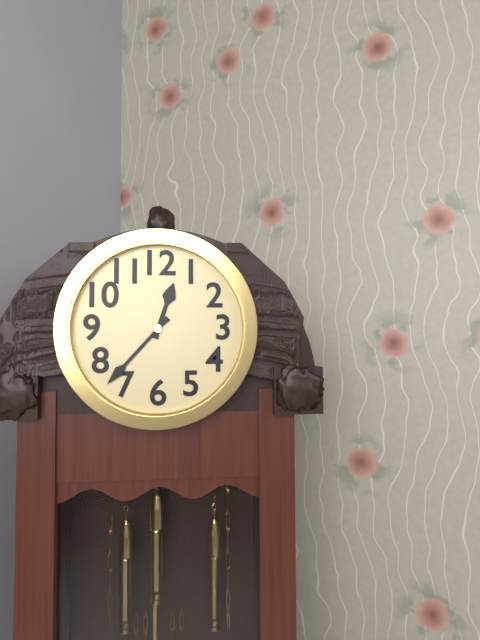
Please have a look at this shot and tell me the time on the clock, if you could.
12:37
